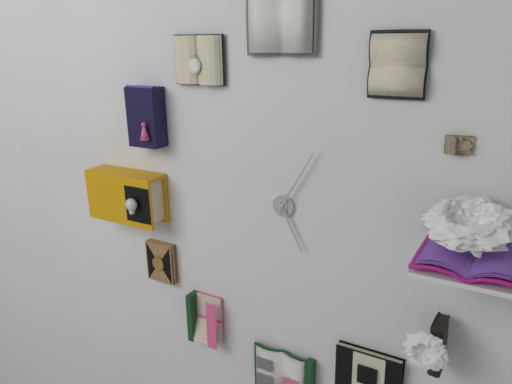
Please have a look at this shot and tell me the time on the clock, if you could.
5:05
